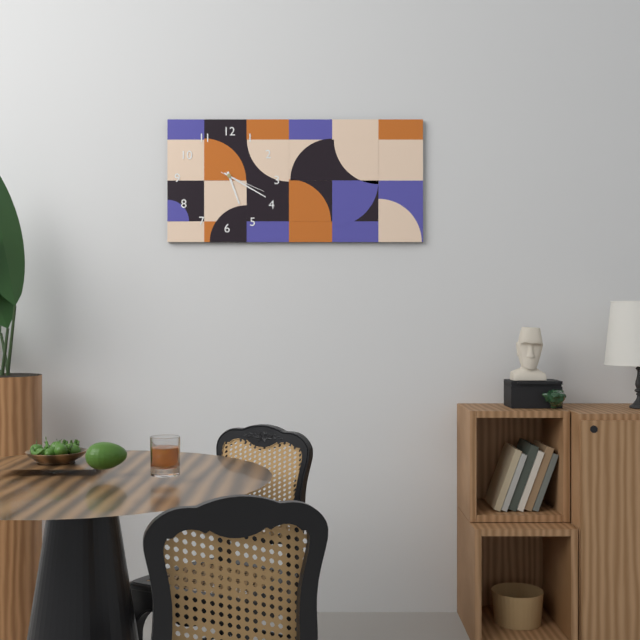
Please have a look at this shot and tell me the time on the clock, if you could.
5:20
